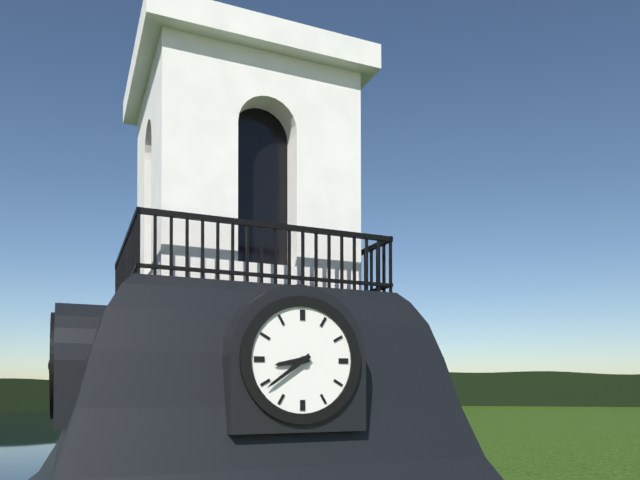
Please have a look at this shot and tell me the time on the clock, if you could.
8:39
